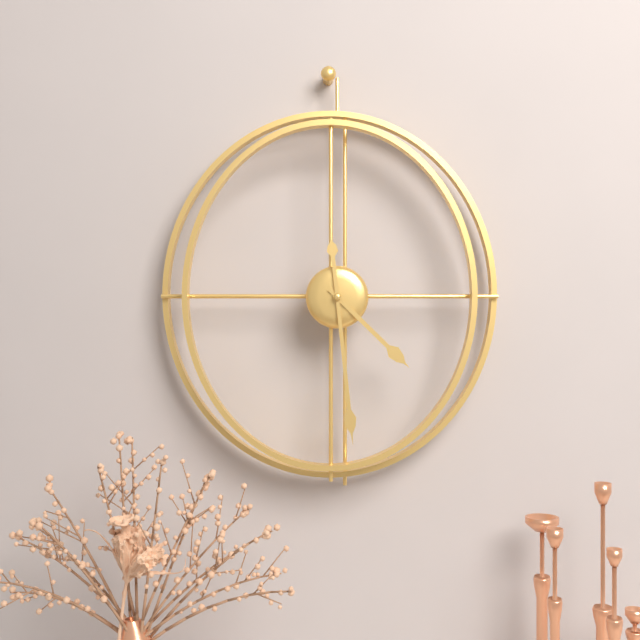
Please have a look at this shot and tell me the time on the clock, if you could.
4:29
